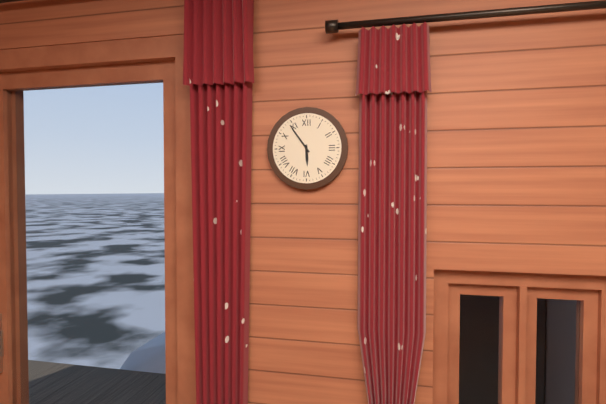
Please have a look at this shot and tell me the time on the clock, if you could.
5:54
